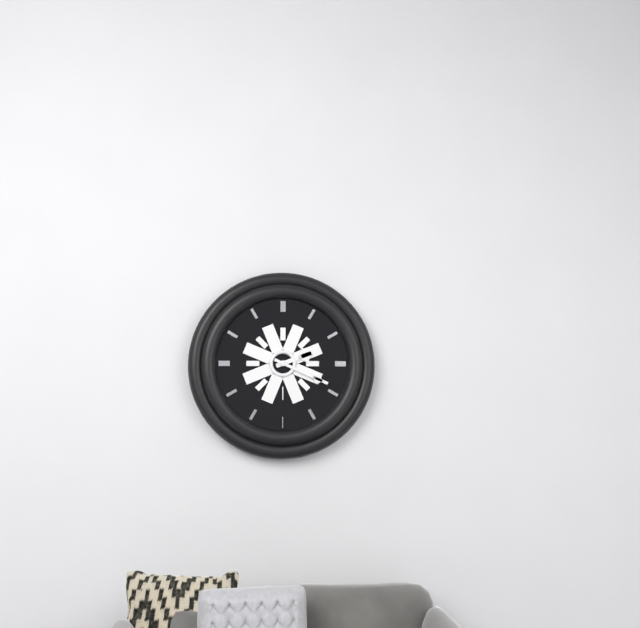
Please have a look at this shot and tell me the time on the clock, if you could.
2:19
